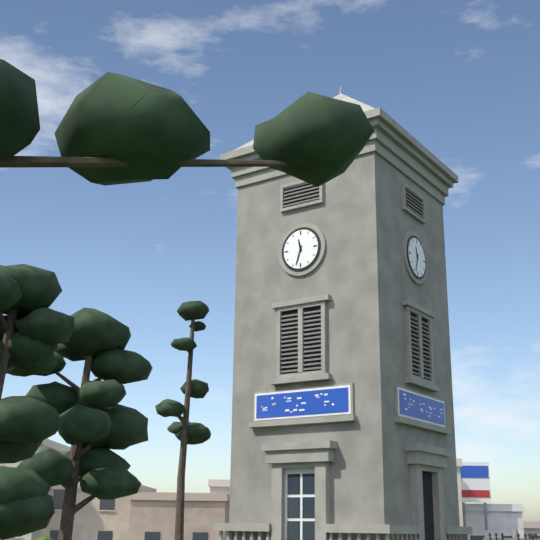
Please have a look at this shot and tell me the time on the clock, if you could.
11:33
